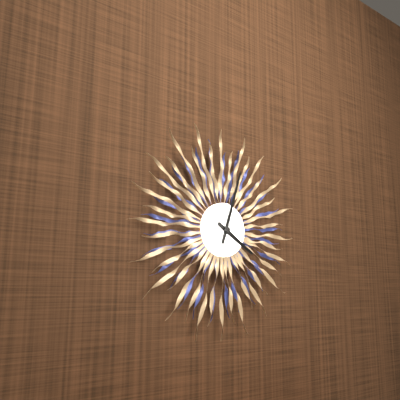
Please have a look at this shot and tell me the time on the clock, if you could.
4:03
